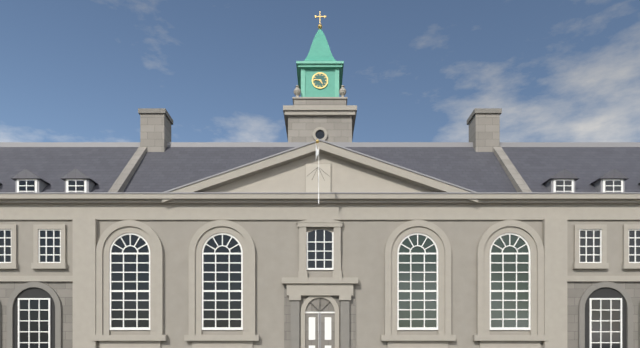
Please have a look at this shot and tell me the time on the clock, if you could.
4:46
